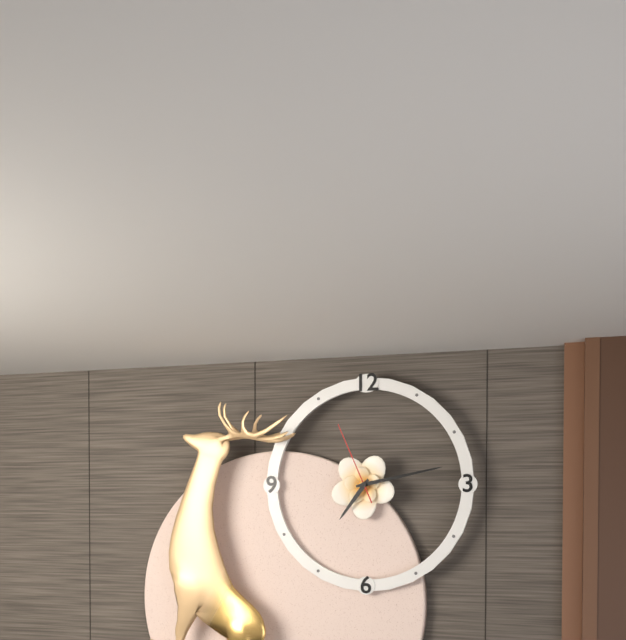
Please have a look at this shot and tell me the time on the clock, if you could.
7:13:56
